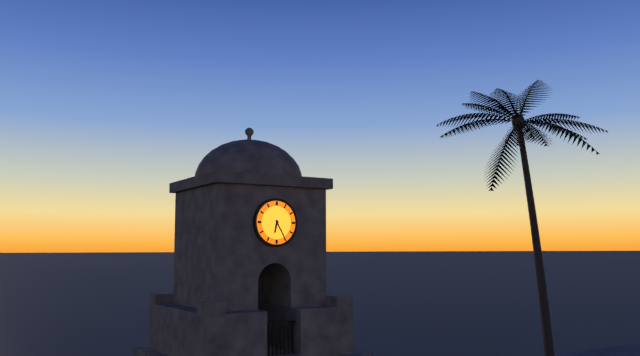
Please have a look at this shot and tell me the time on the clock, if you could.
6:25
